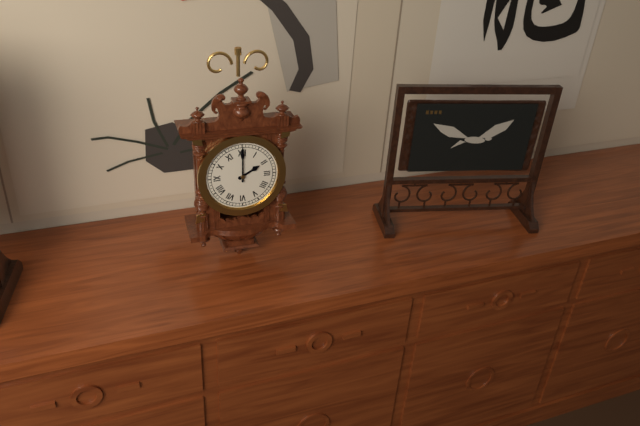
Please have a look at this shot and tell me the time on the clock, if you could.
2:00
